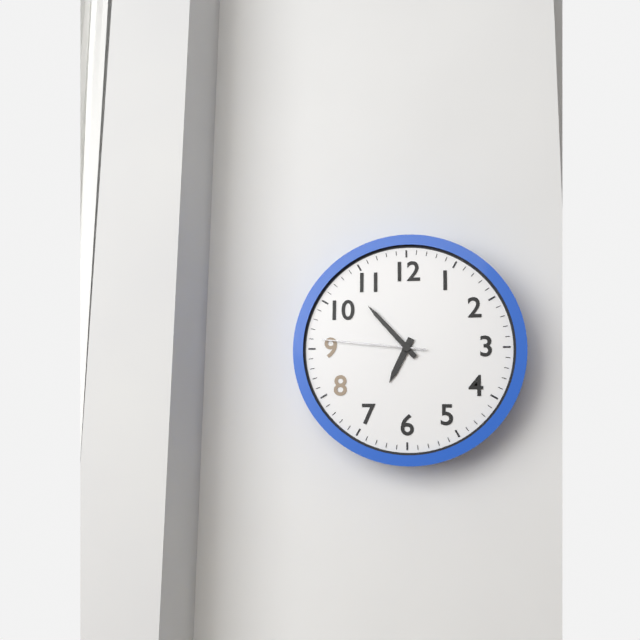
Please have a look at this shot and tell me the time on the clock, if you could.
6:53:46
